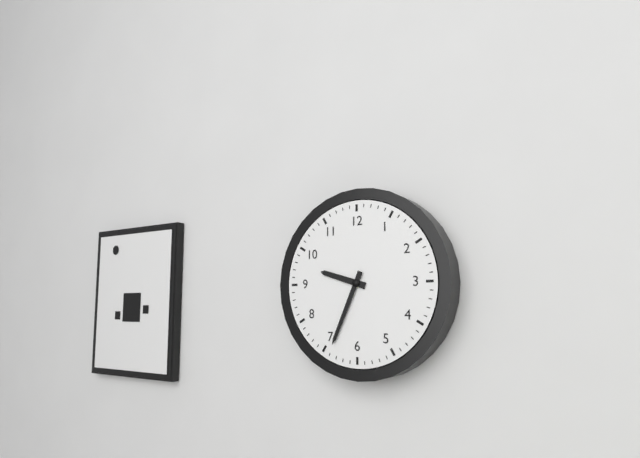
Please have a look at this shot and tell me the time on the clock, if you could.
9:34
